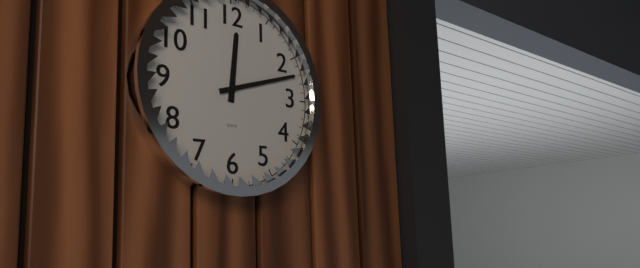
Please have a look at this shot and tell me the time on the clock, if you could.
12:12
